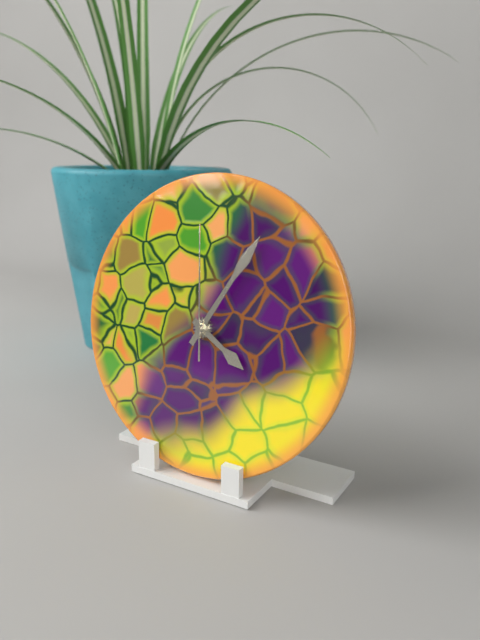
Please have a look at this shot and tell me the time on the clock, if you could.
4:05:59
